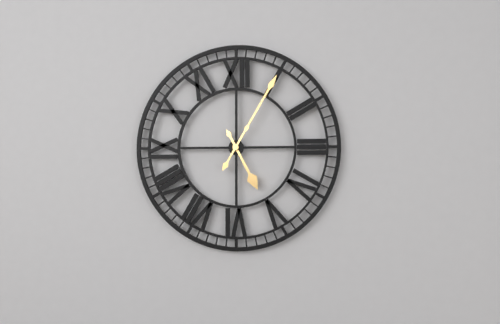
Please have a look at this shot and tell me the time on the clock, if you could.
5:05
